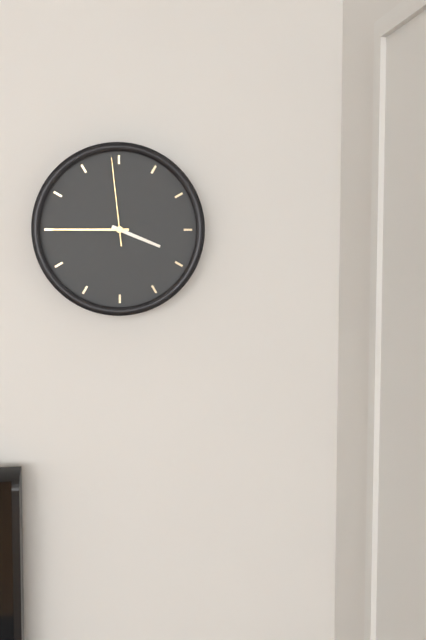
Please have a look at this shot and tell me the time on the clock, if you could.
3:45:59
